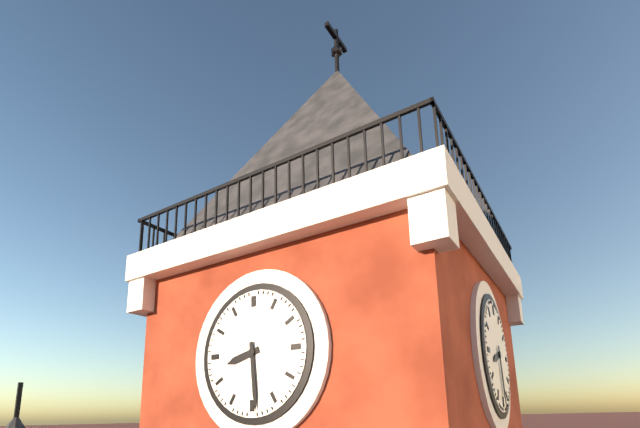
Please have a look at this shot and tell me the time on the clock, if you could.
8:29
